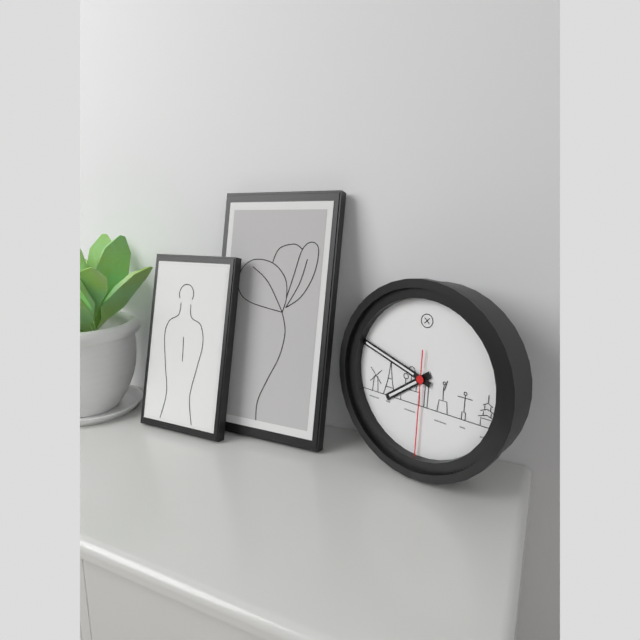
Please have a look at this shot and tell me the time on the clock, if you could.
7:48:30
